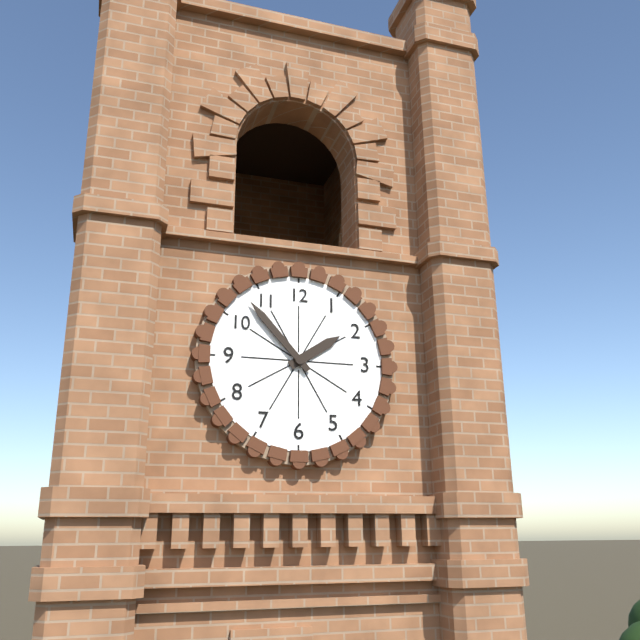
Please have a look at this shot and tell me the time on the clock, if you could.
1:53
